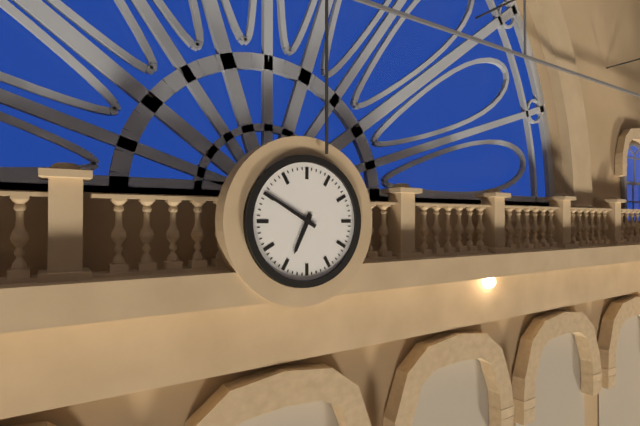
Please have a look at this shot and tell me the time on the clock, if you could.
6:50
